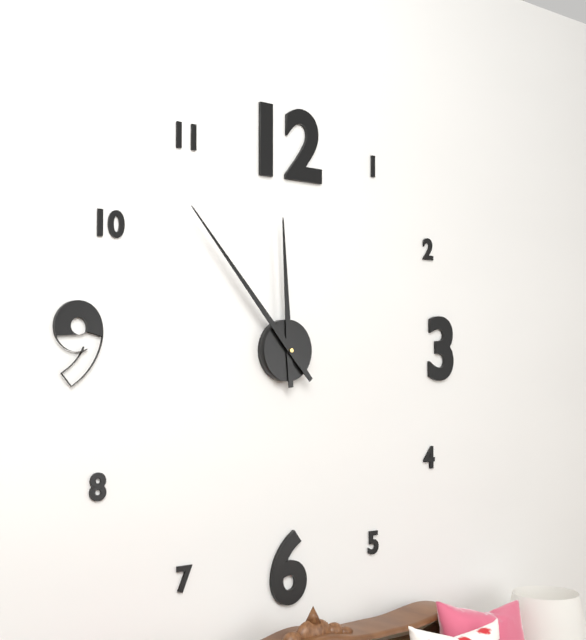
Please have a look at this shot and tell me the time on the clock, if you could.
11:53
